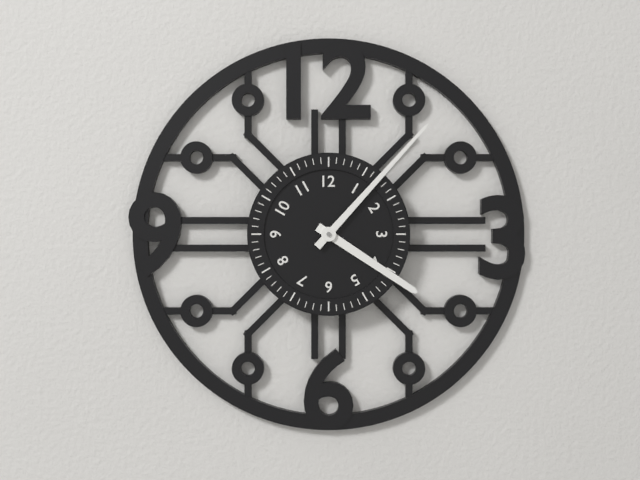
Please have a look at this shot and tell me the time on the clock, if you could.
4:07
